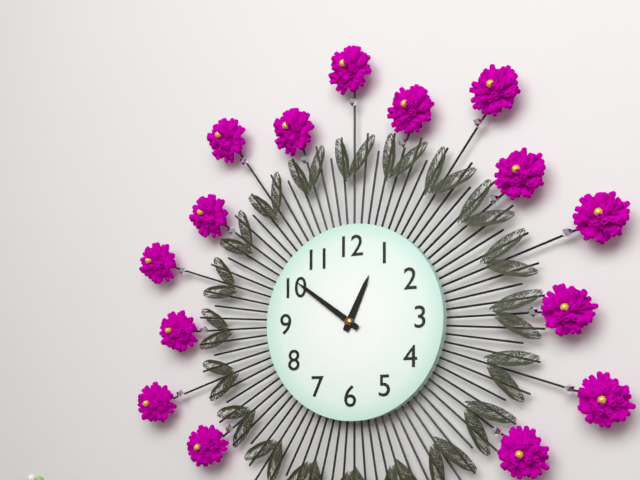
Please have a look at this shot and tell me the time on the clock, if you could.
12:51
